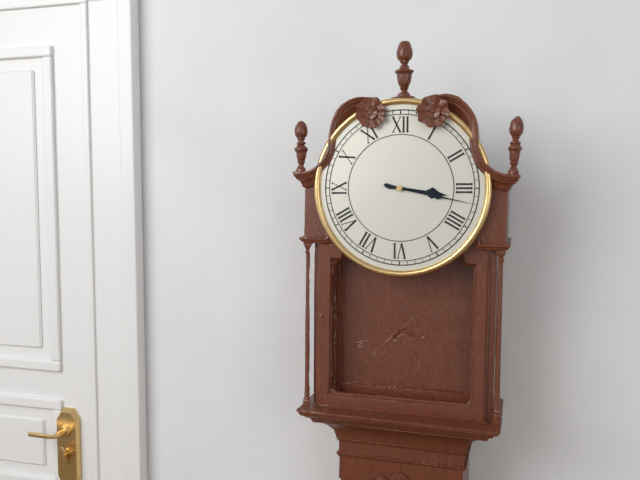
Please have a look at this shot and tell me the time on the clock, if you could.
3:17
